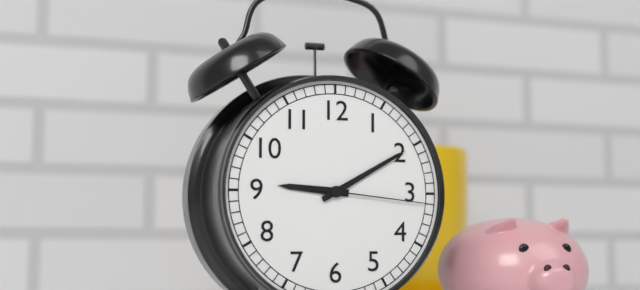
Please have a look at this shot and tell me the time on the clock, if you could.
9:10:16
